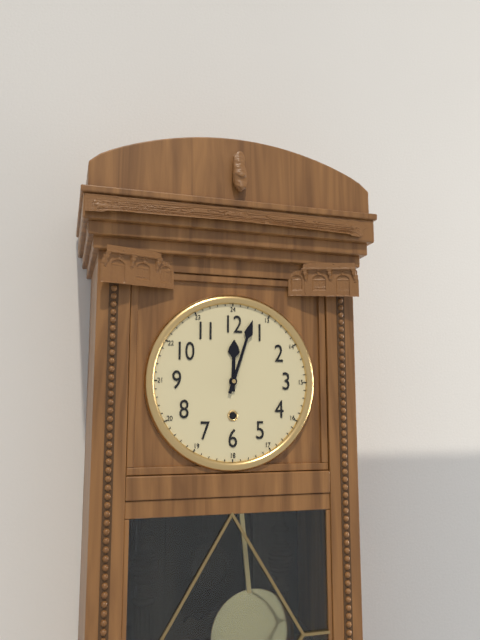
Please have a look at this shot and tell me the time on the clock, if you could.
12:03
